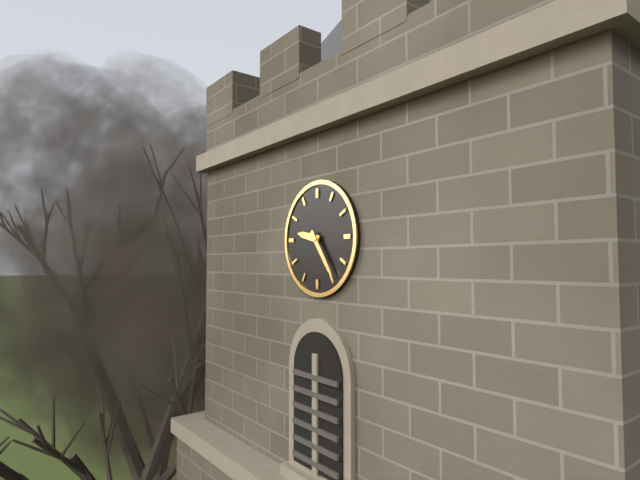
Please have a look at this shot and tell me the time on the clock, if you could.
9:24
